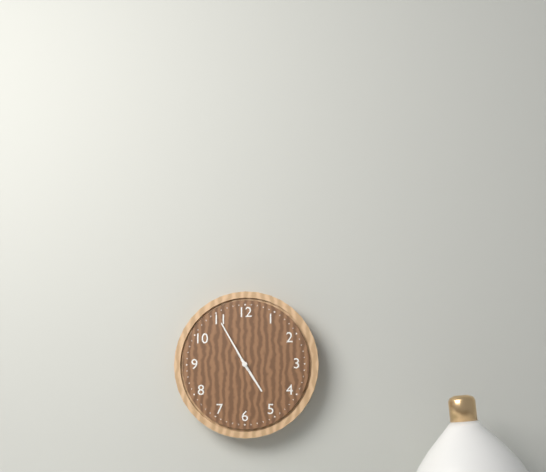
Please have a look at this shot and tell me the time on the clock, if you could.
4:55
